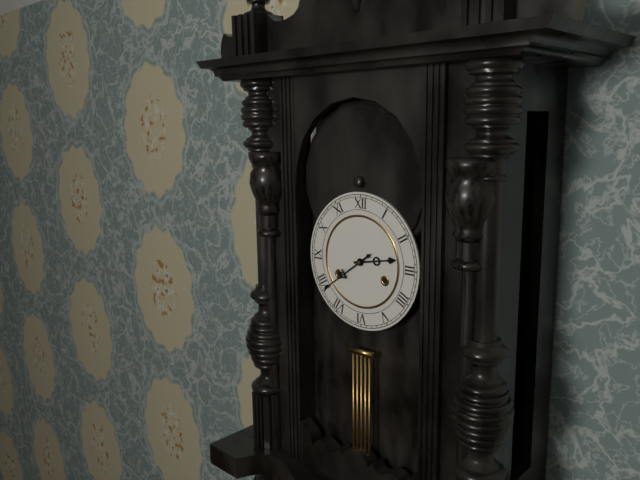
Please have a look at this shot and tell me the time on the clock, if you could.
2:39
